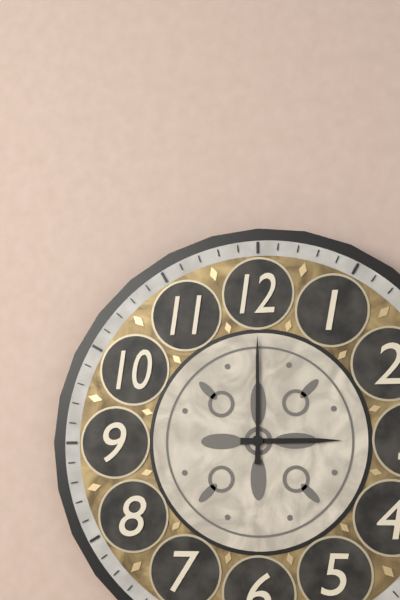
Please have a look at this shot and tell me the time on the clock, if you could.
3:00
